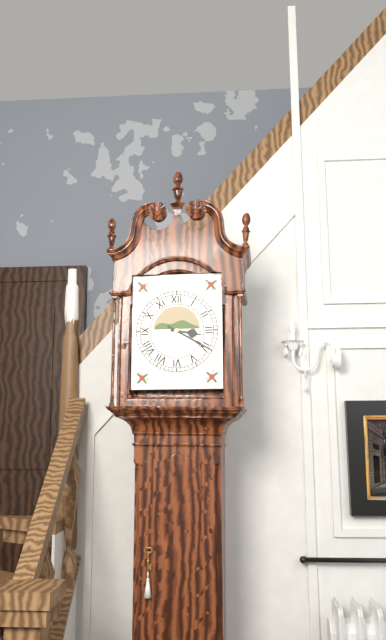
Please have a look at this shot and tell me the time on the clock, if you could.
3:20
